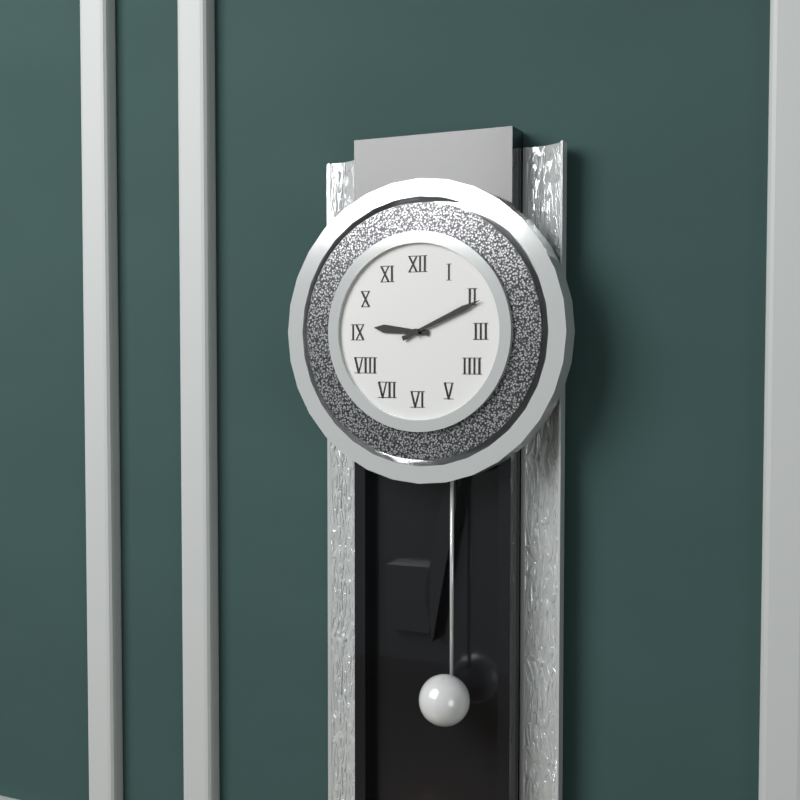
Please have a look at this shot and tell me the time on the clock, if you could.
9:11
